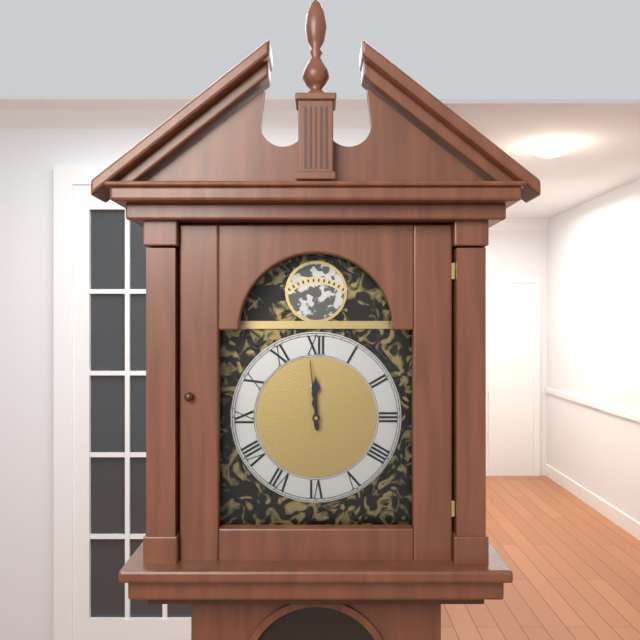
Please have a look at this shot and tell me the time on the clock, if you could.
11:59
